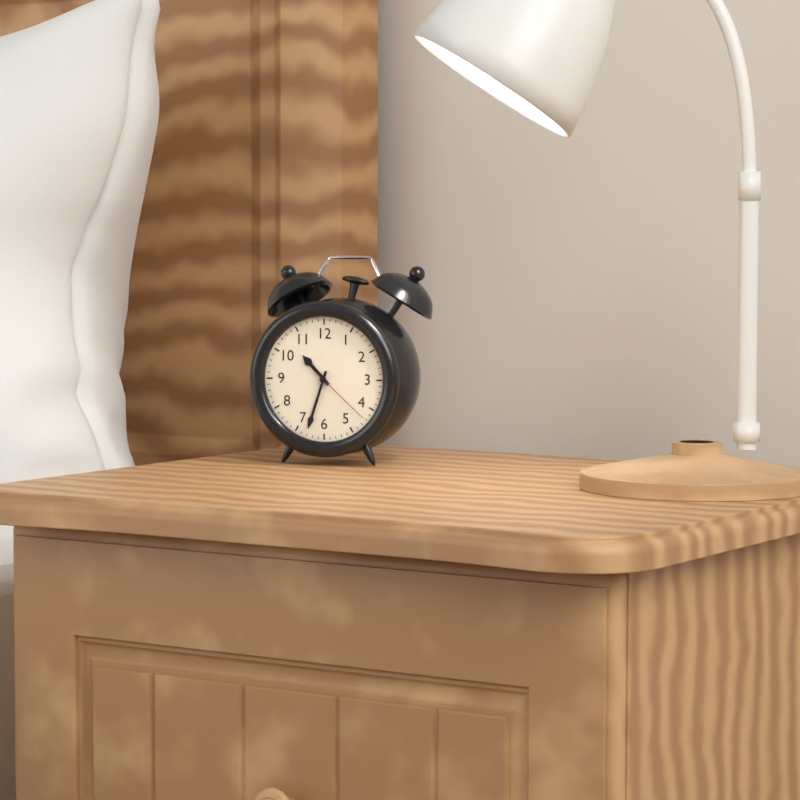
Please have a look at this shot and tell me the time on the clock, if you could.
10:33:22
